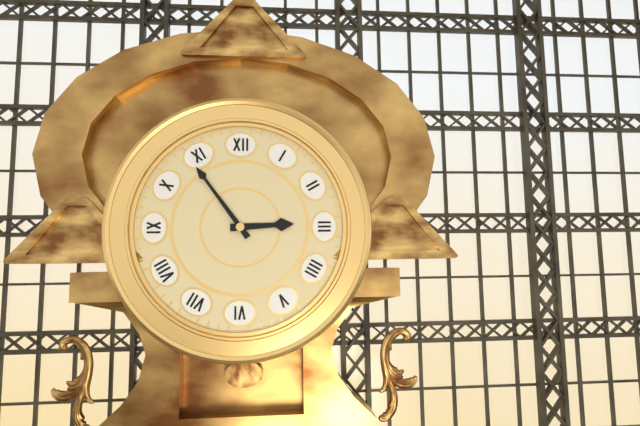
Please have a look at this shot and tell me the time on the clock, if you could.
2:54
